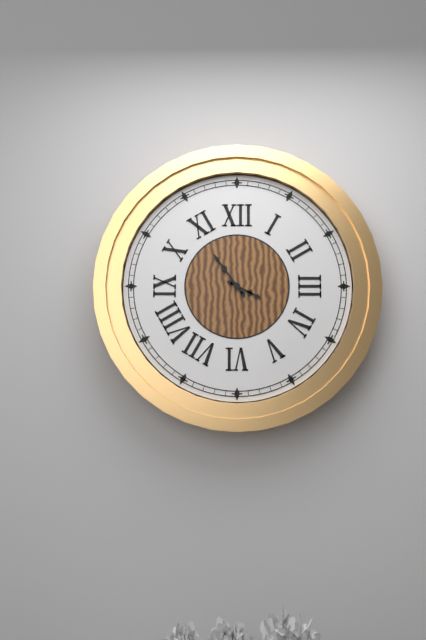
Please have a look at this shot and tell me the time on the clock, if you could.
3:54
